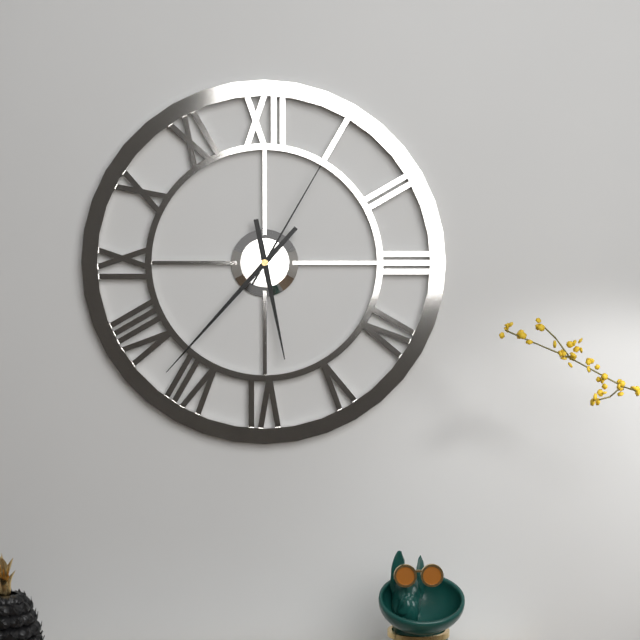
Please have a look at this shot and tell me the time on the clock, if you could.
5:37:05
